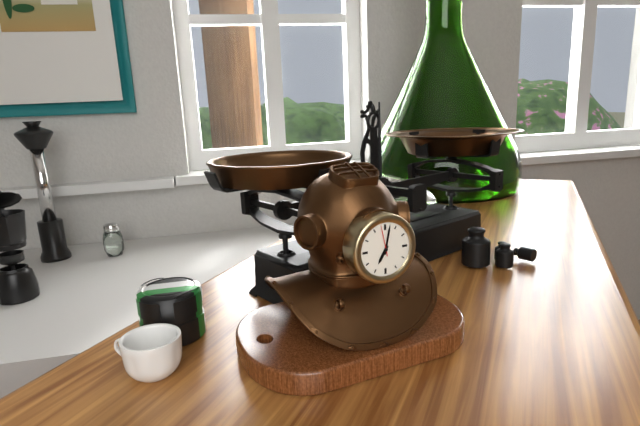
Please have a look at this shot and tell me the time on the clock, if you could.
7:02
